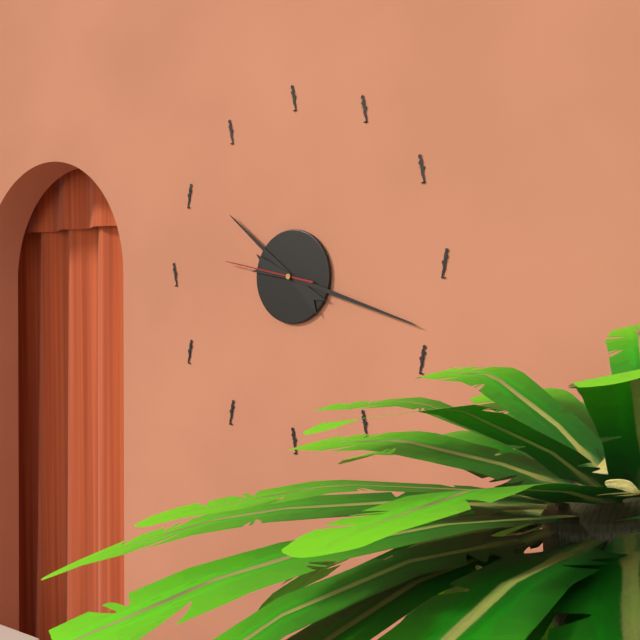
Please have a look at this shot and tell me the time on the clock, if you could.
10:18:47
